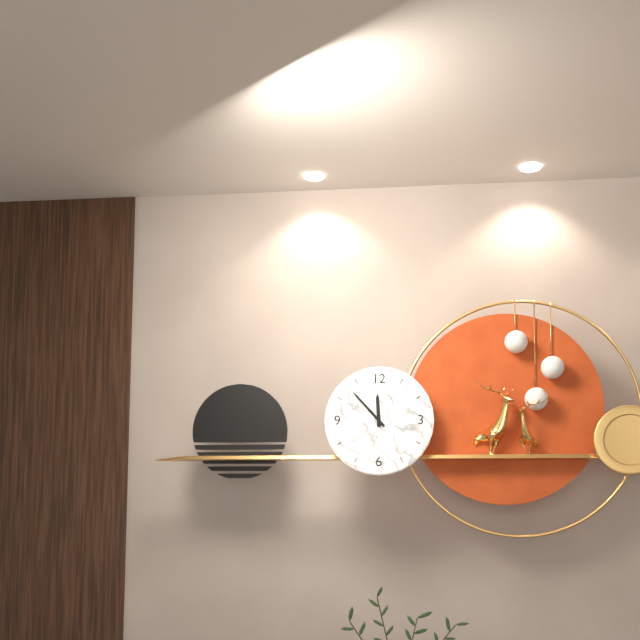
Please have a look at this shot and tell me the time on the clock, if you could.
11:53
